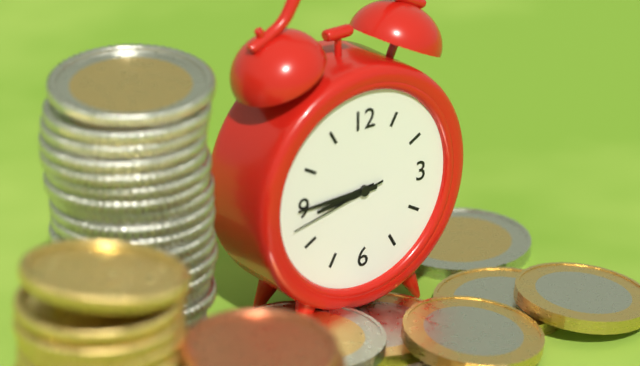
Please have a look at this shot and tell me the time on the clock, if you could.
8:45:43
